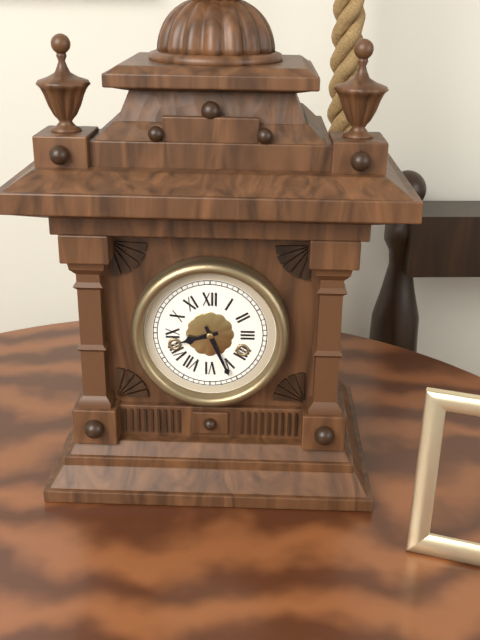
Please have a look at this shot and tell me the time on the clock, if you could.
8:26
